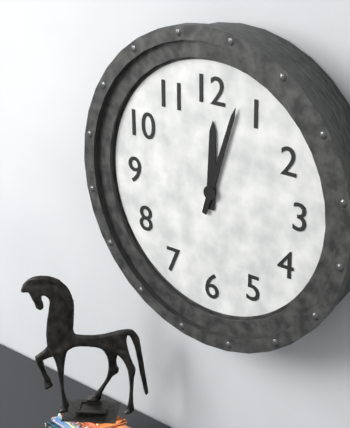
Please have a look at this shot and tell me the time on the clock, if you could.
12:03
